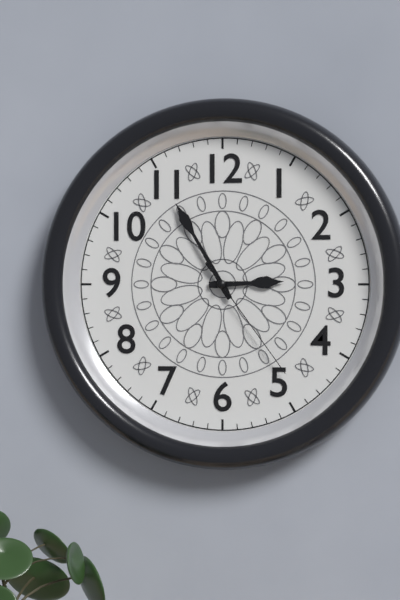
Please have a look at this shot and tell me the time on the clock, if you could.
2:55:24
